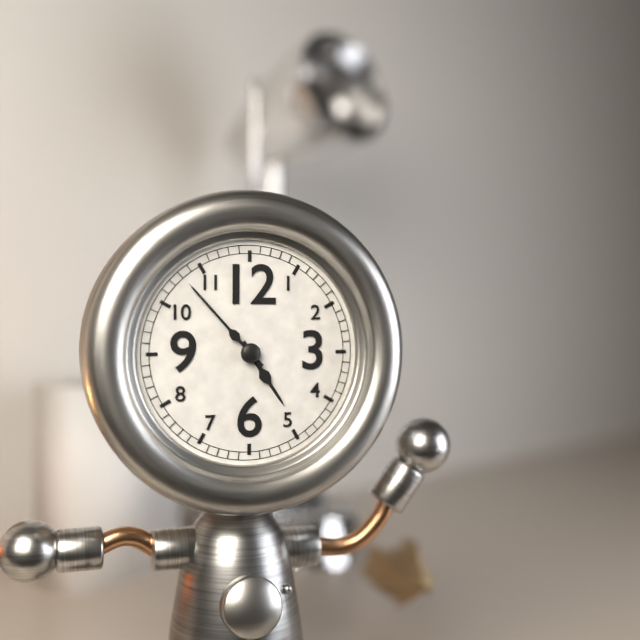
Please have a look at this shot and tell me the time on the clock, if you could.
4:53
